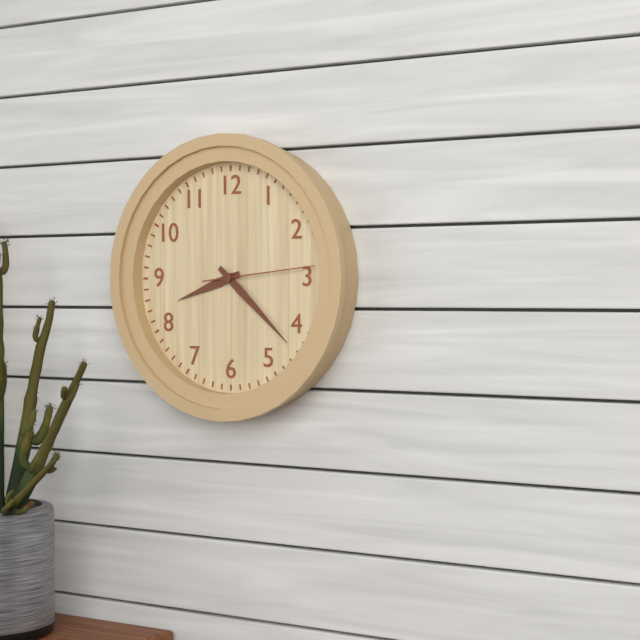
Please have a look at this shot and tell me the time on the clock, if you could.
8:22:14
